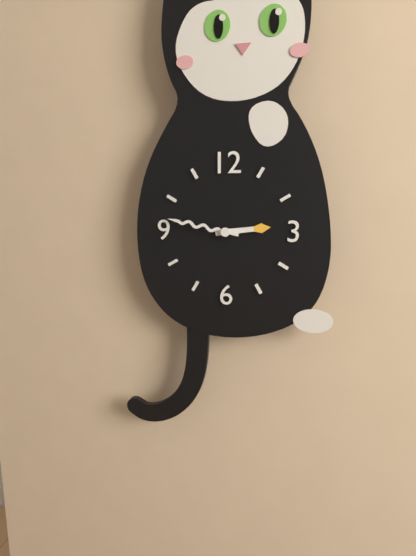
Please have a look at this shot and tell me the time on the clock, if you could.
2:47
